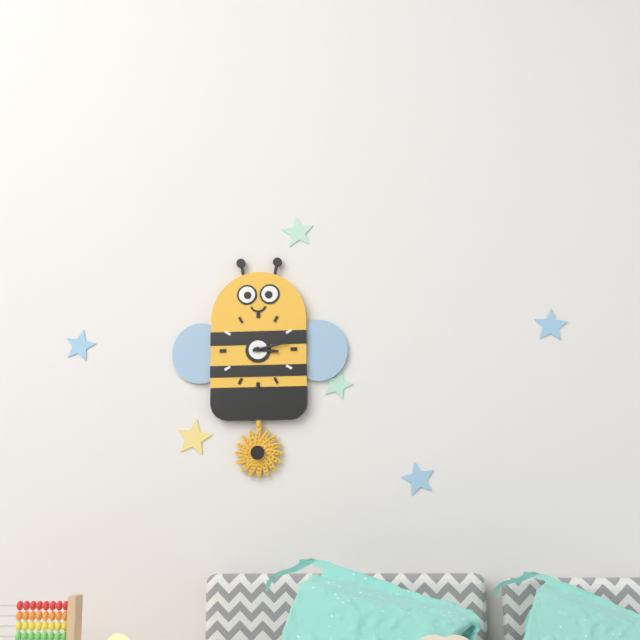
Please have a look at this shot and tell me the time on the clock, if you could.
3:13
